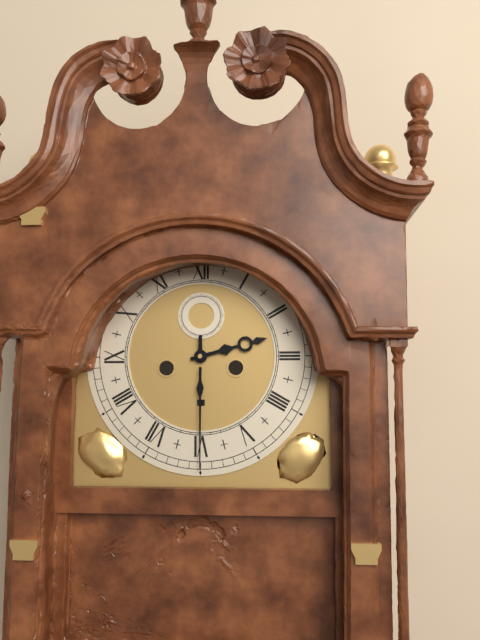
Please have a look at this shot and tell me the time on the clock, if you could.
2:30
